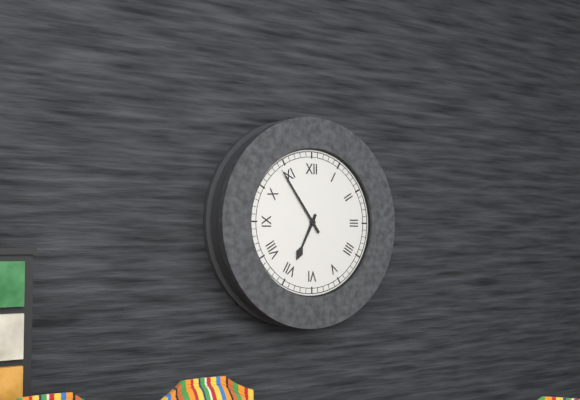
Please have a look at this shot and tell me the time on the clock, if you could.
6:54
